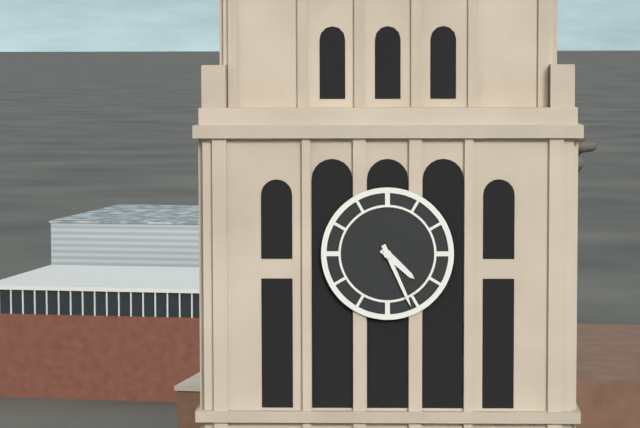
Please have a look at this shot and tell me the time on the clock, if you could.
4:26
